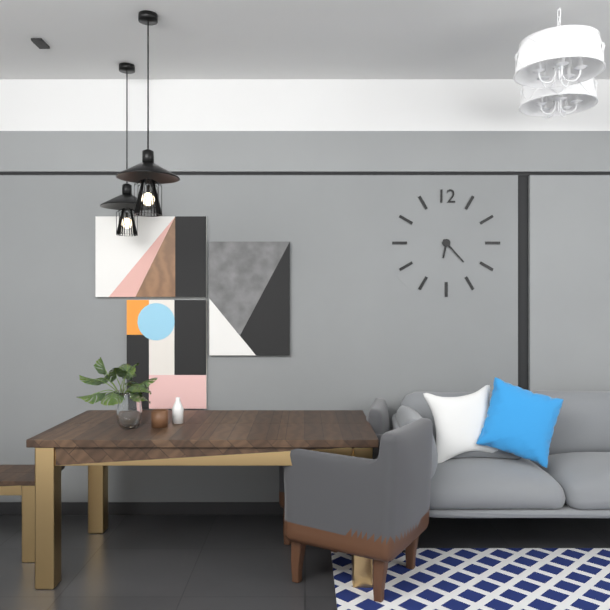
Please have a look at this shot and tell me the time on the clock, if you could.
6:23
